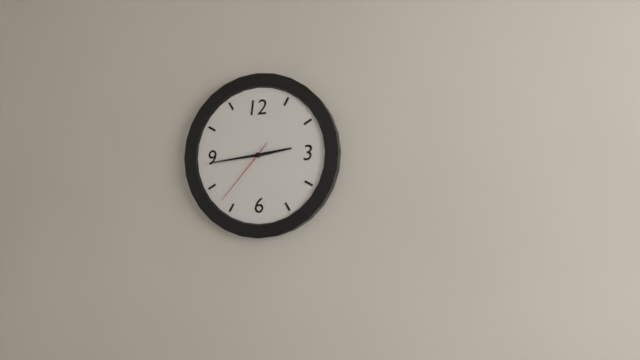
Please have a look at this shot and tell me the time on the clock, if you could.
2:44:37
